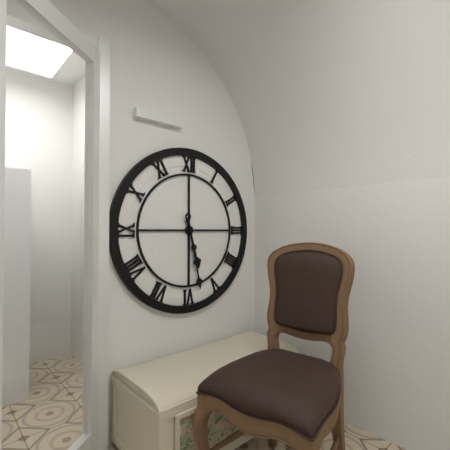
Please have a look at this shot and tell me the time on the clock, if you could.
5:28
